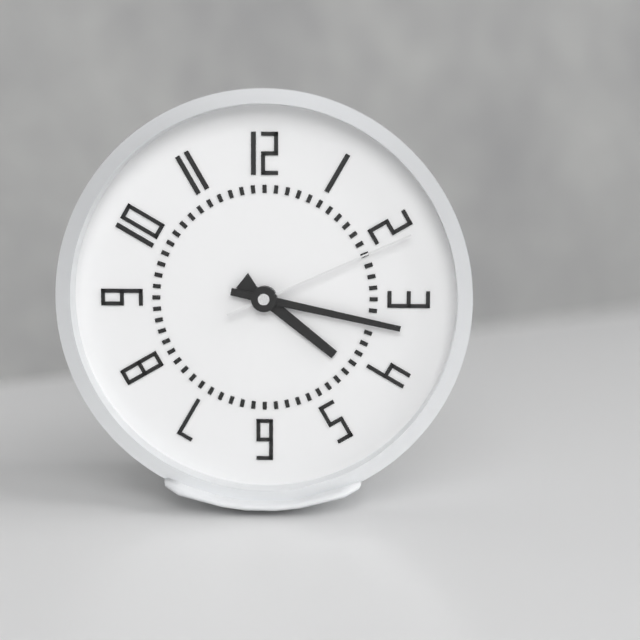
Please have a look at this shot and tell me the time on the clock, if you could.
4:17:11
